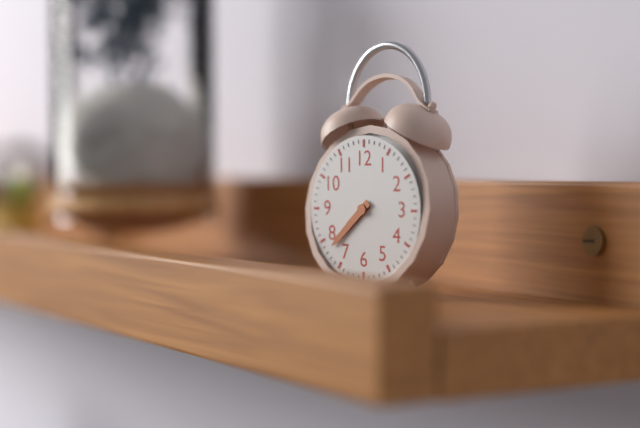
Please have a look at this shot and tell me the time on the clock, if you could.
7:38
